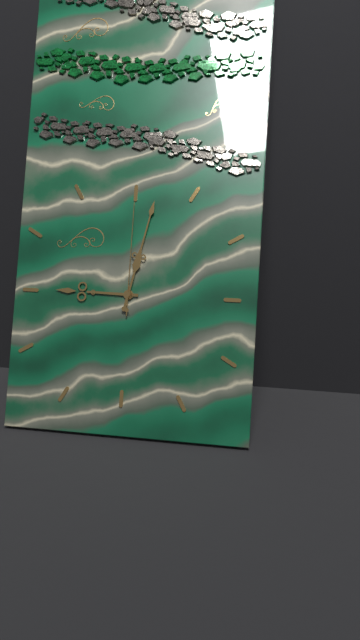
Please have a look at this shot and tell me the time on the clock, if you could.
9:02:00
